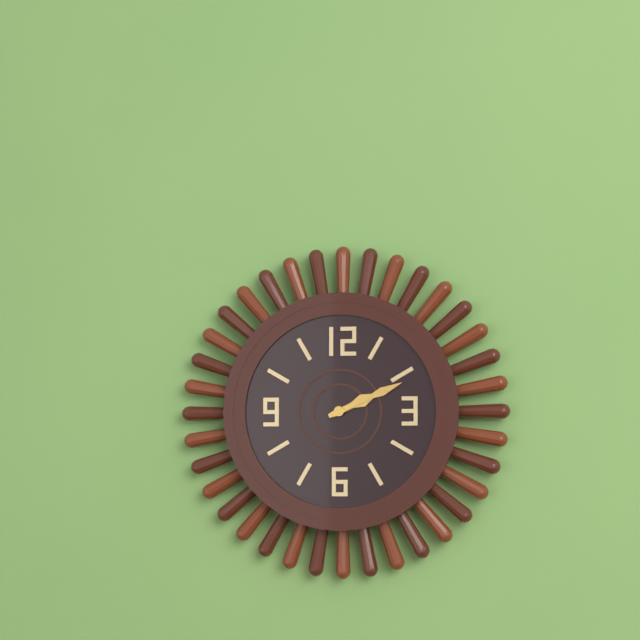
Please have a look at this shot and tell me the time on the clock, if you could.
2:11
